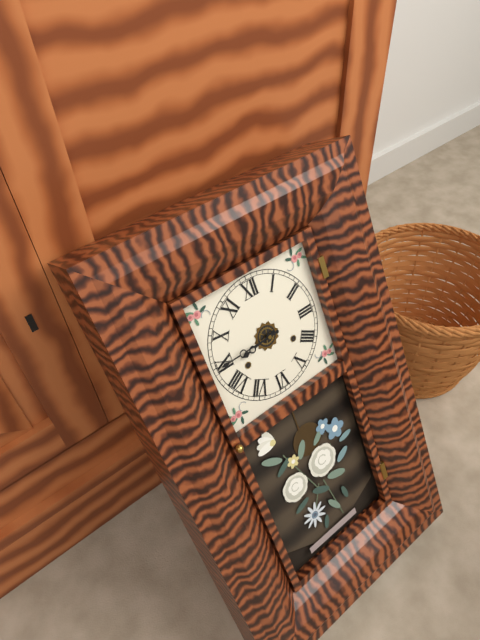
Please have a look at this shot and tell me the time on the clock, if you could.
8:45
